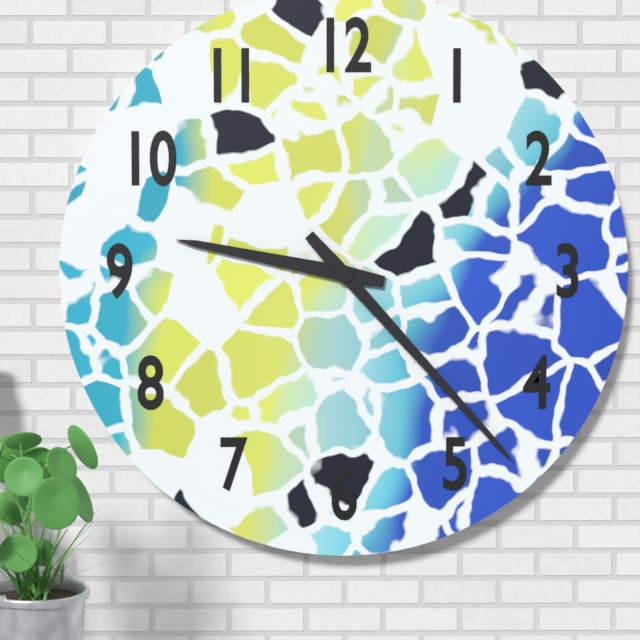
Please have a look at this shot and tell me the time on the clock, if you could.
9:23
